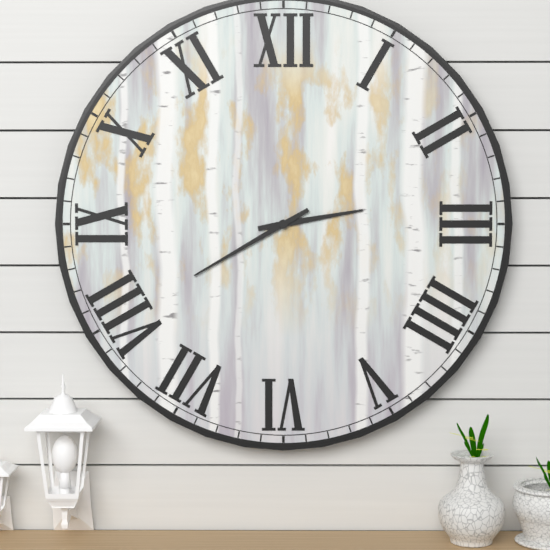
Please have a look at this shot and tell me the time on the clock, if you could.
2:40
